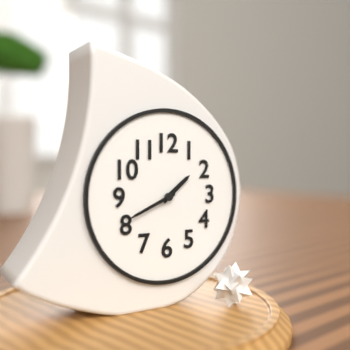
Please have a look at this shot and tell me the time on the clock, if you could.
1:41
